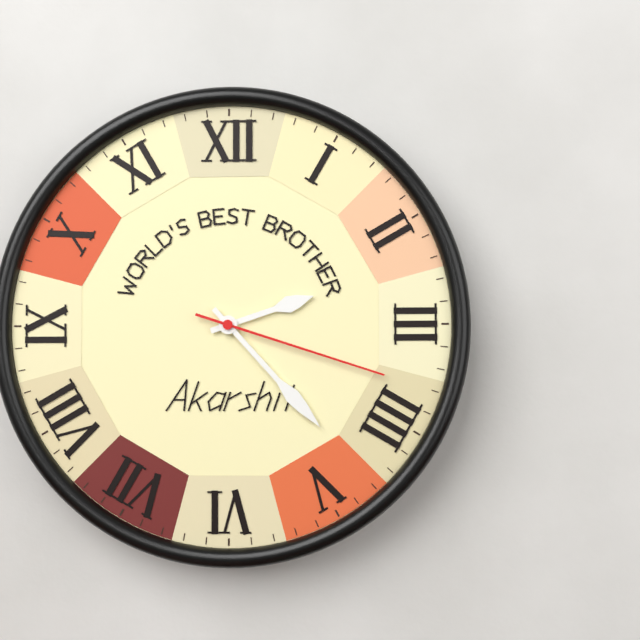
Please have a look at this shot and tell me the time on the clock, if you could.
2:23:18
